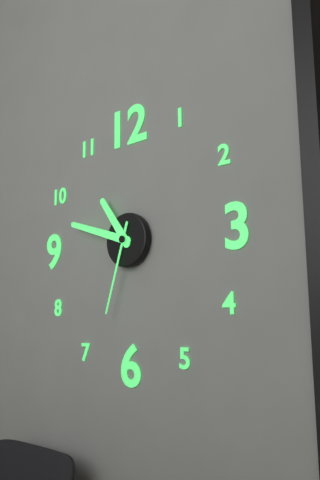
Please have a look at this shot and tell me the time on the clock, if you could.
10:48:33
